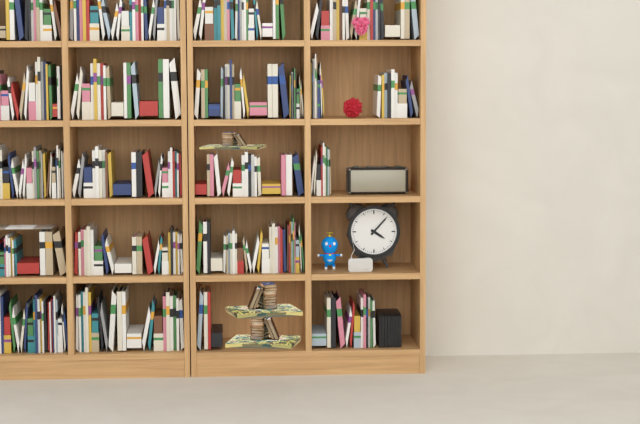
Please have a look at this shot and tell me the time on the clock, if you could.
4:07
